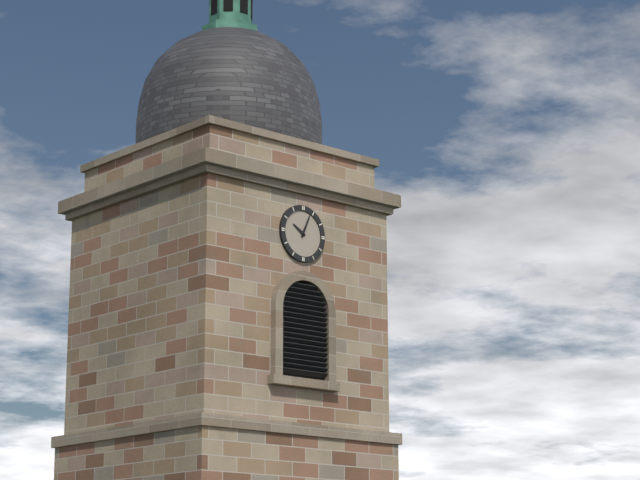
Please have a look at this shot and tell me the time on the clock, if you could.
10:04
